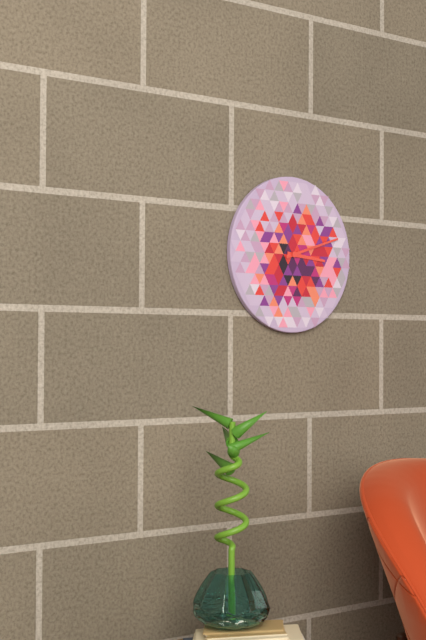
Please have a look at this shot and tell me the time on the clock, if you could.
3:12
